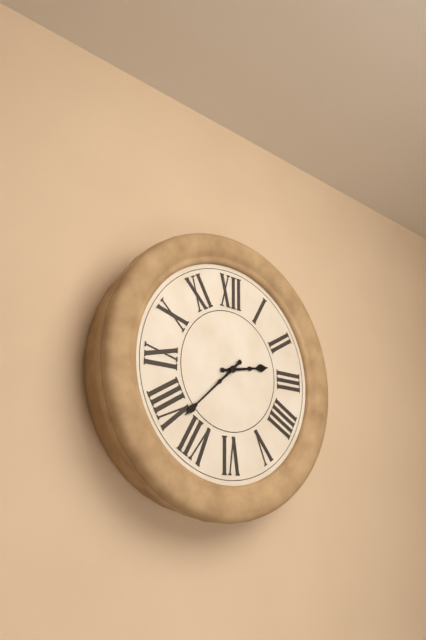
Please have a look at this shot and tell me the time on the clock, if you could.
2:38
